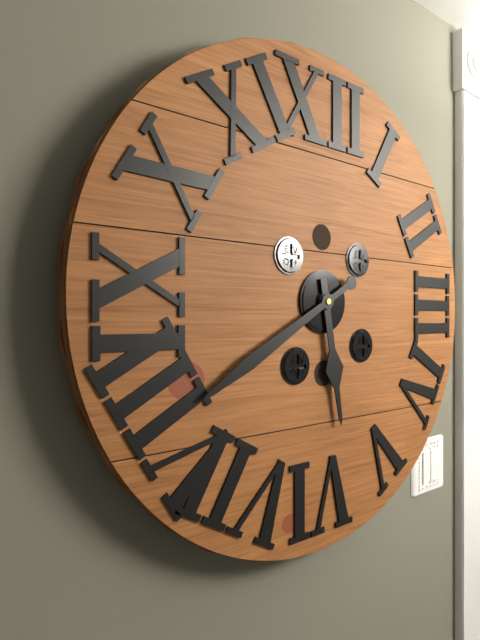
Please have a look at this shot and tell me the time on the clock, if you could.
5:40
